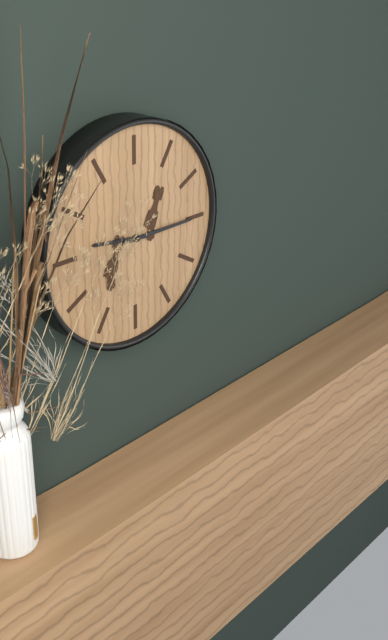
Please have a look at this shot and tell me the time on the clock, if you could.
9:15
